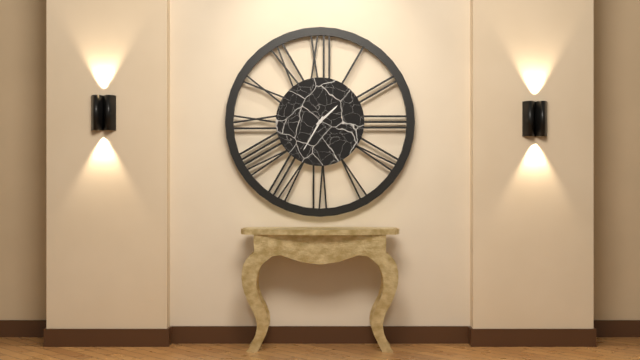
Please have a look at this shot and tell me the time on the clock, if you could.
1:35
